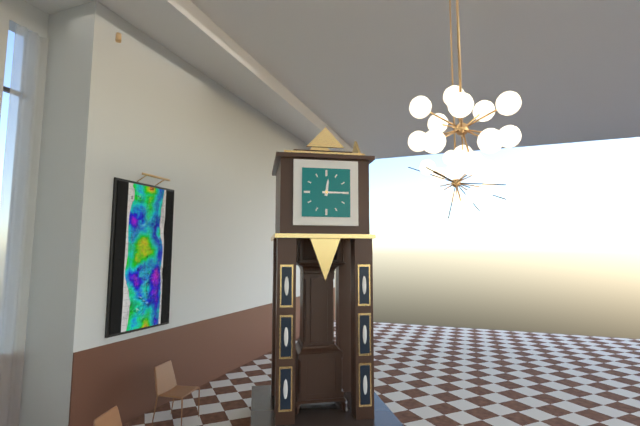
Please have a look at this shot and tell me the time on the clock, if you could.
12:15
